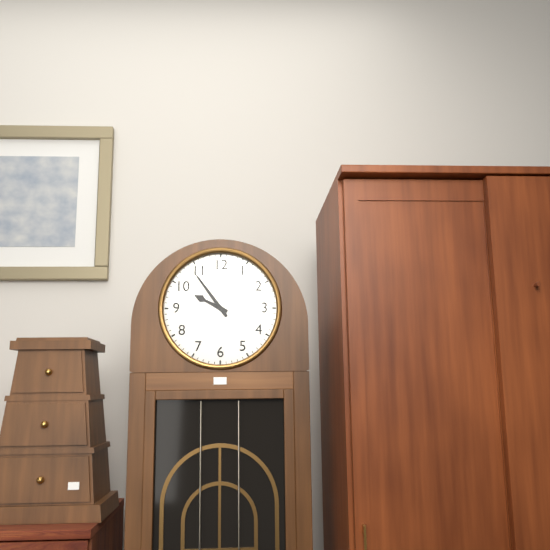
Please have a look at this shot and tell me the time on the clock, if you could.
9:54
